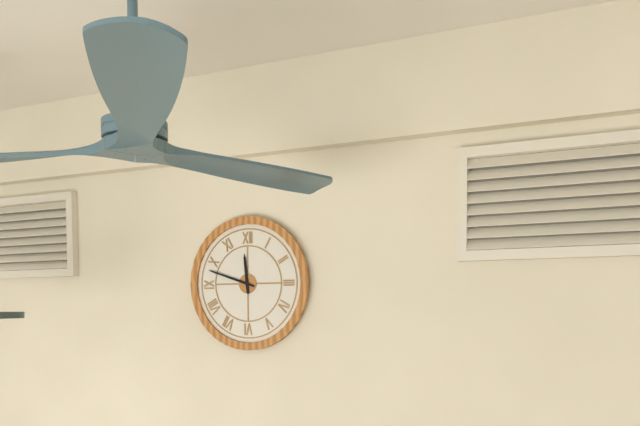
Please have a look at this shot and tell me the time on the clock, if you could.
11:48
